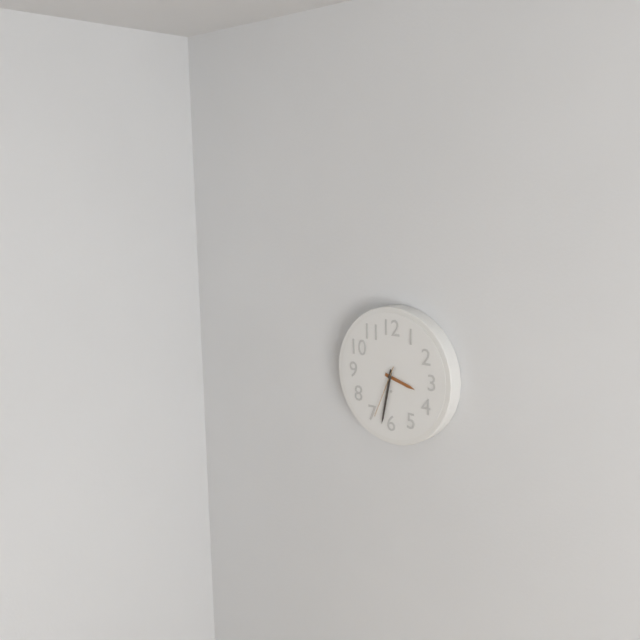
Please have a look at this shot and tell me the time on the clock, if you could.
3:32:34
